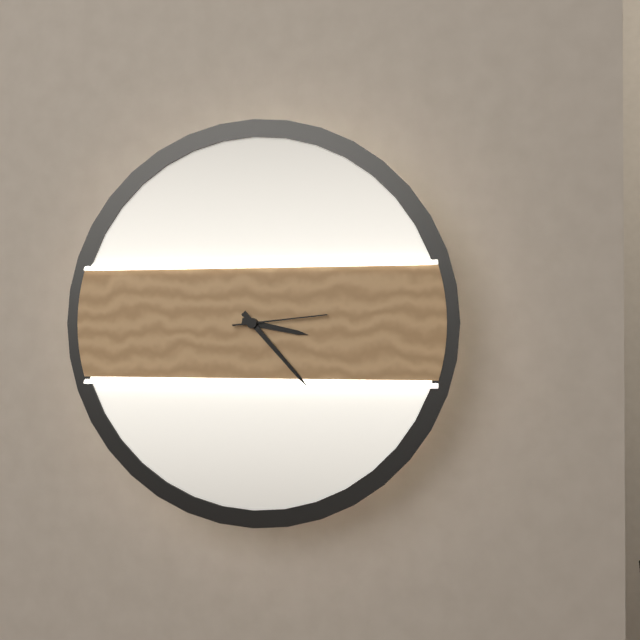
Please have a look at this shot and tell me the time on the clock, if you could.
3:23:14
